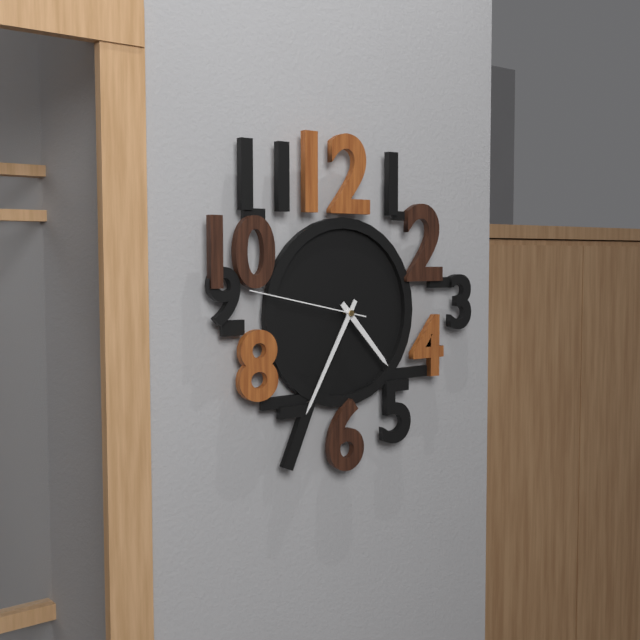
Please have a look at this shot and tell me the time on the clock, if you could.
4:35:47
